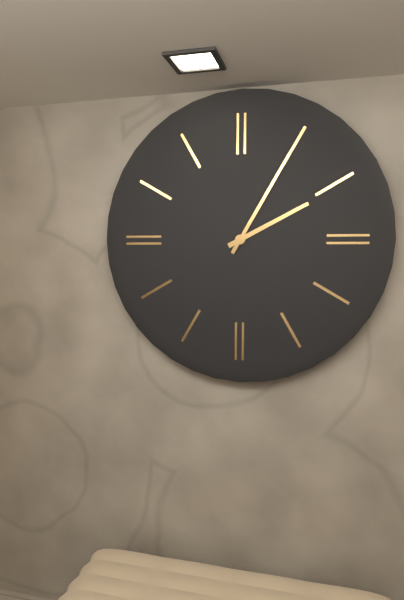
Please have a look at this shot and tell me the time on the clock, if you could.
2:05
